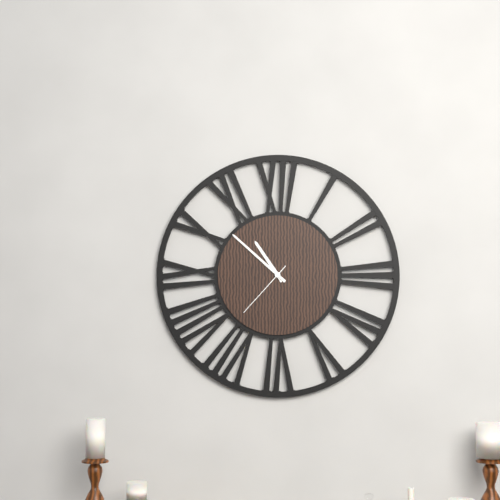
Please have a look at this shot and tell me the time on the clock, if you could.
10:52:37
